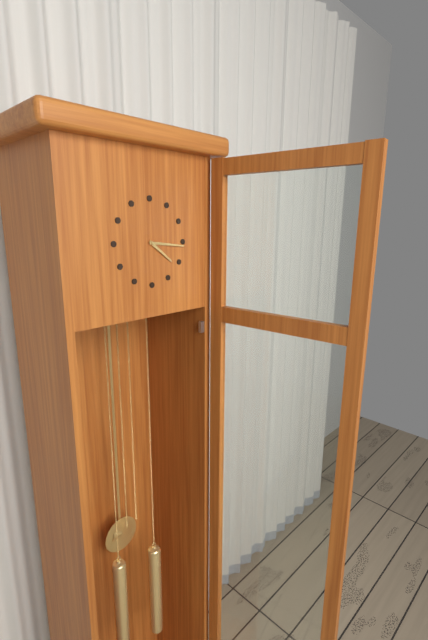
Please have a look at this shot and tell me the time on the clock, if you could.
4:16
